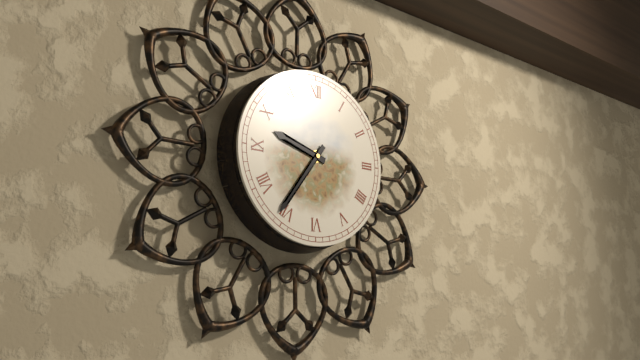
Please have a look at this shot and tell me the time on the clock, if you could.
9:36
